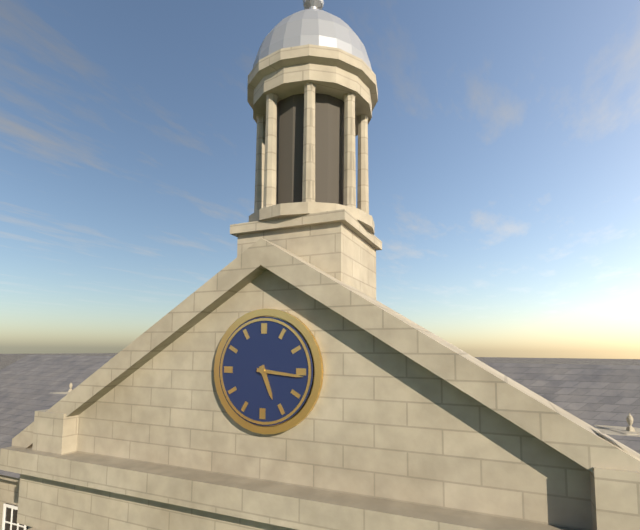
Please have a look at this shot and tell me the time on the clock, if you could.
5:16
